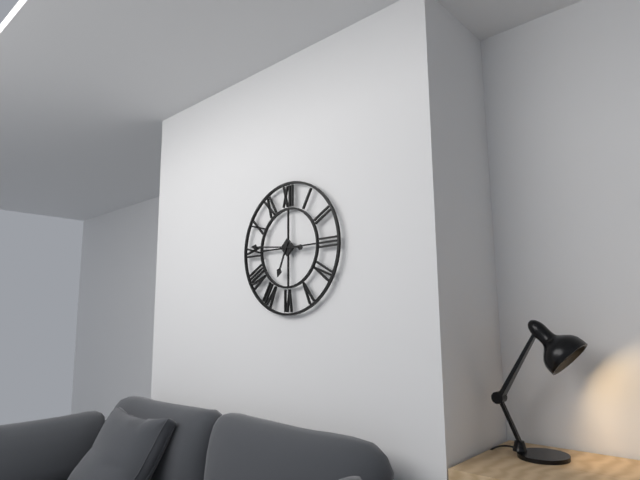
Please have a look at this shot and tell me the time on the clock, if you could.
6:46
